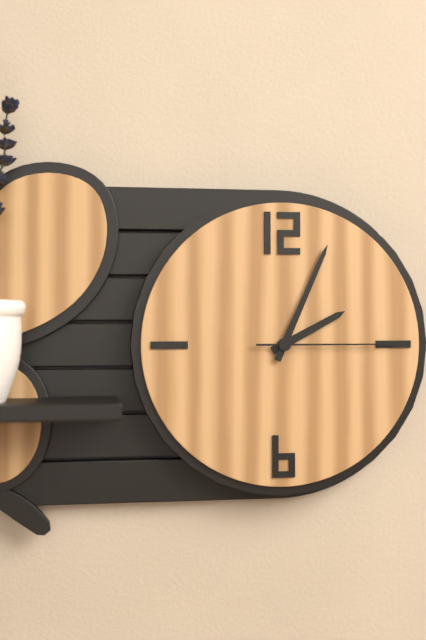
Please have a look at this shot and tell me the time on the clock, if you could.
2:04:15
